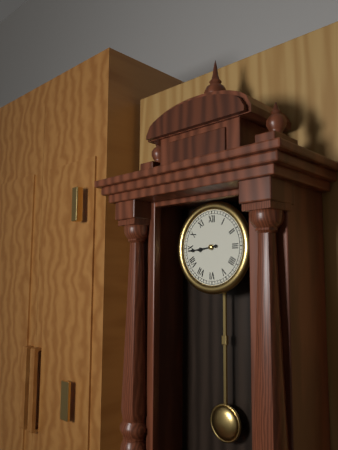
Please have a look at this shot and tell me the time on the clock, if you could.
8:44
